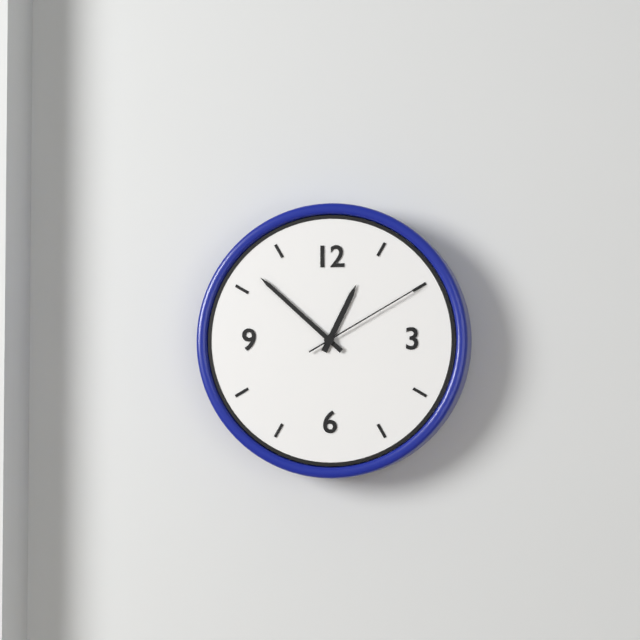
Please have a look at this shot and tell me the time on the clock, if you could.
12:52:10
